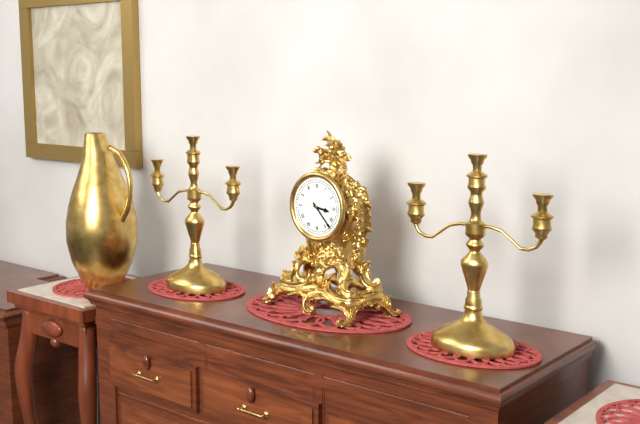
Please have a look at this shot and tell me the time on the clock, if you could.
3:23
